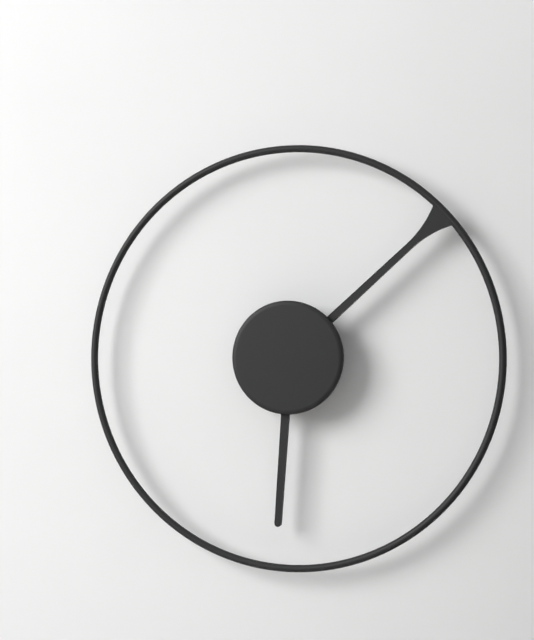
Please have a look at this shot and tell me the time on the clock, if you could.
6:08
